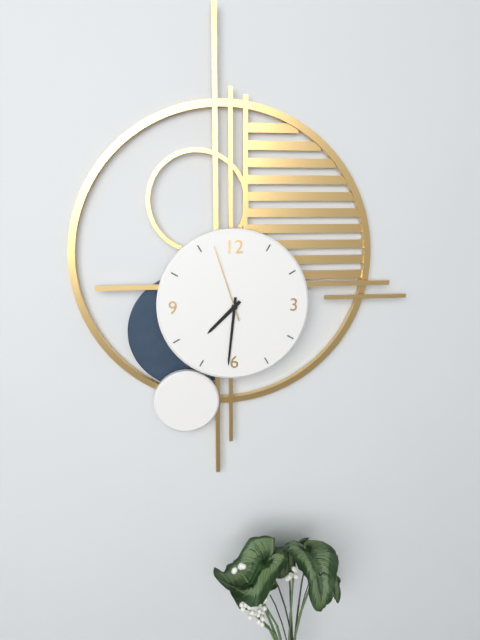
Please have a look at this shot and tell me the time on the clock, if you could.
7:31:57
